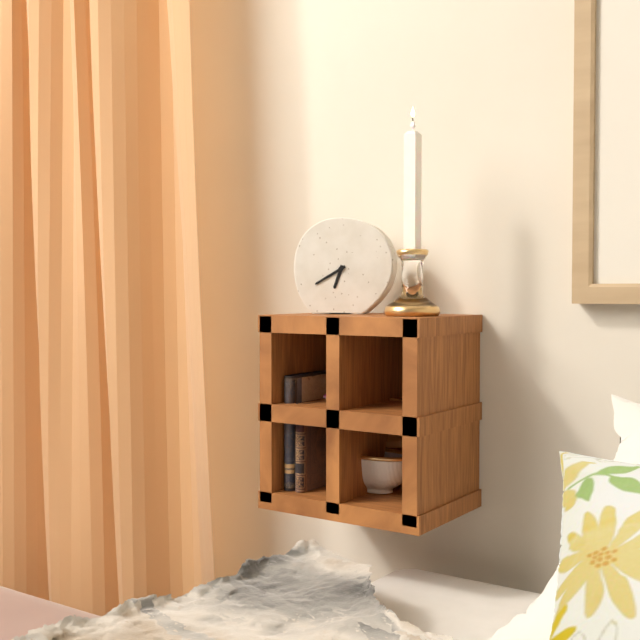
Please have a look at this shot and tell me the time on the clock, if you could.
6:40
